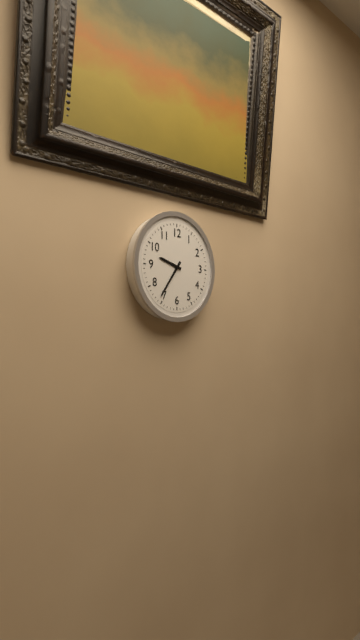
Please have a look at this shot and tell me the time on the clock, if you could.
9:36
